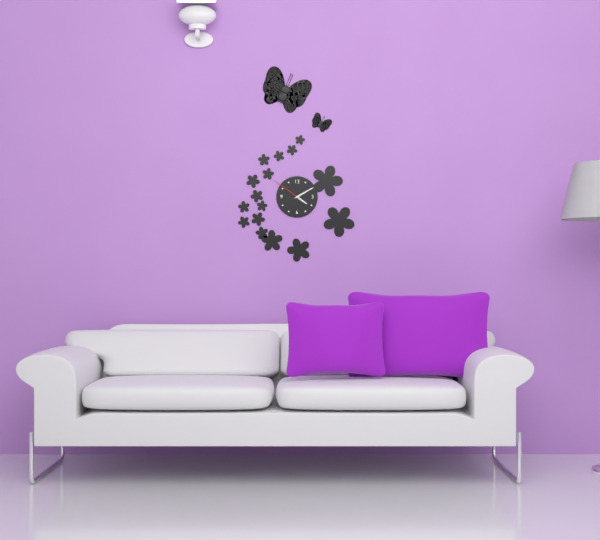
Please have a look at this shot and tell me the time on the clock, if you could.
4:10
